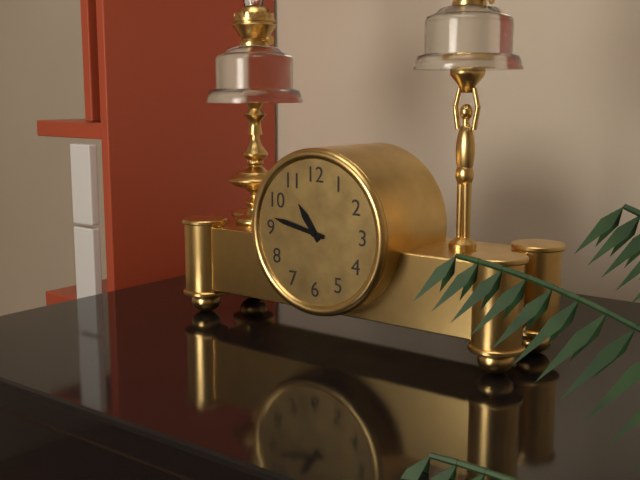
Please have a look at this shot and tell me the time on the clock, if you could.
10:47
